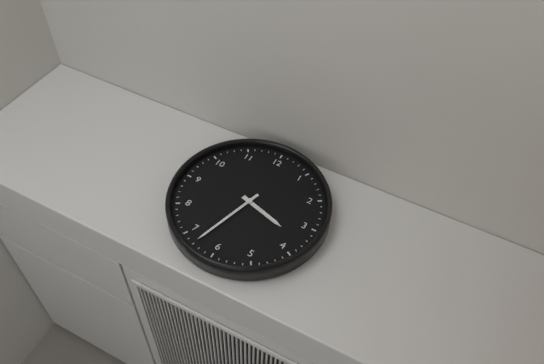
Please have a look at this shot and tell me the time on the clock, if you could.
3:33
